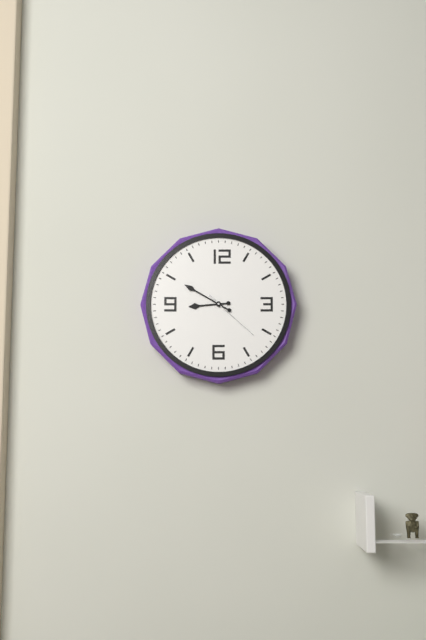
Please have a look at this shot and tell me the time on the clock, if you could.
8:50:22
